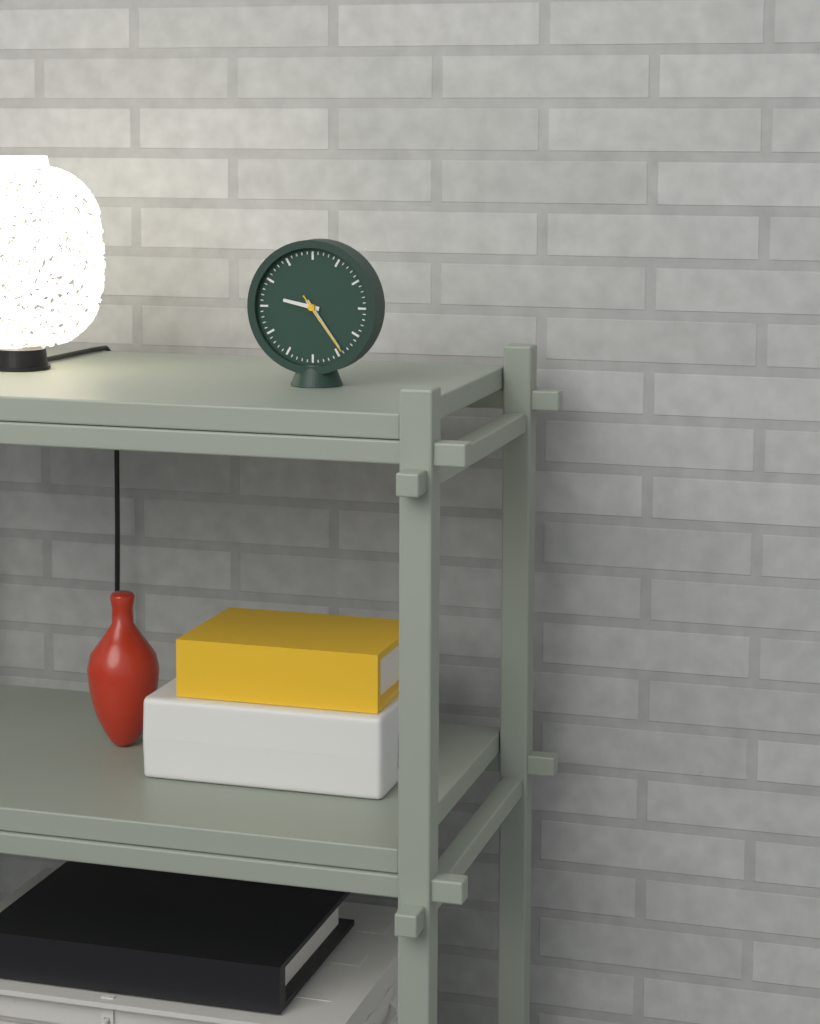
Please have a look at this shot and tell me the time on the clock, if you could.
9:24:24
